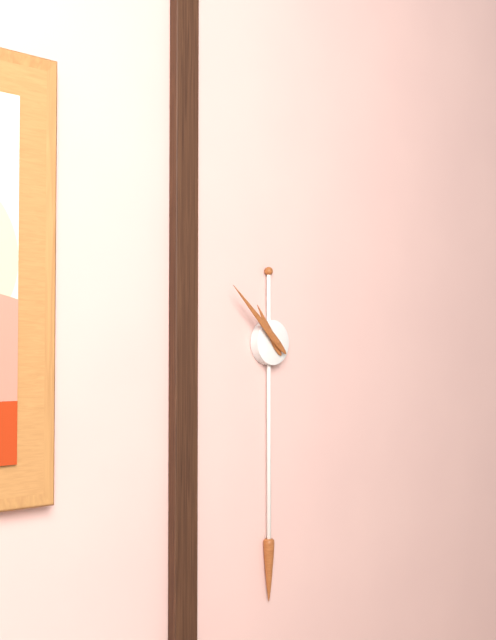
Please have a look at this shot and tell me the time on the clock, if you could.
10:52
